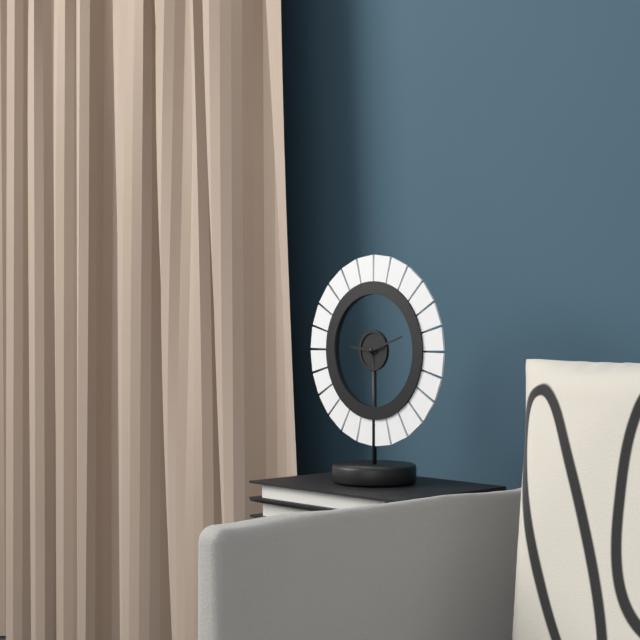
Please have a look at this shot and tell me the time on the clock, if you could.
9:12
